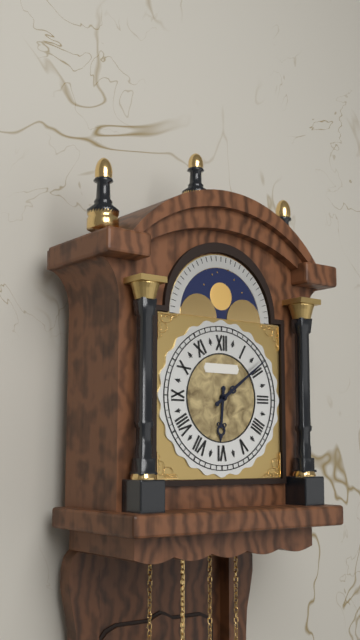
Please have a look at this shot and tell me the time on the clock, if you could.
6:09
